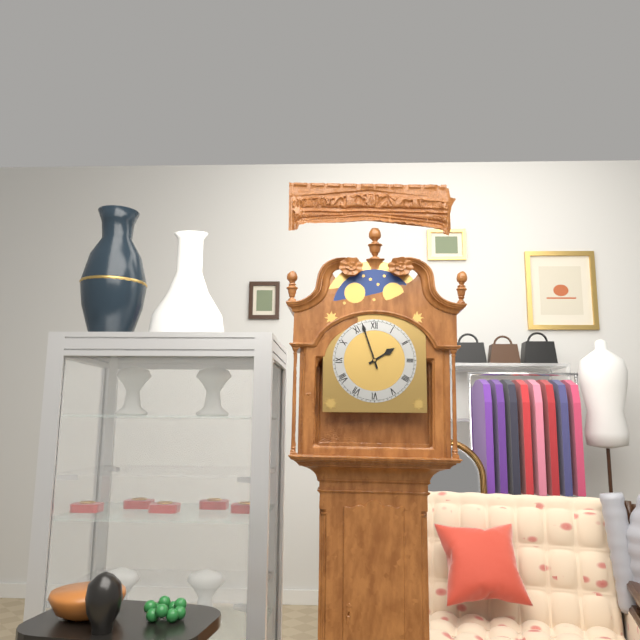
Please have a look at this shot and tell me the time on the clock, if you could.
1:57
